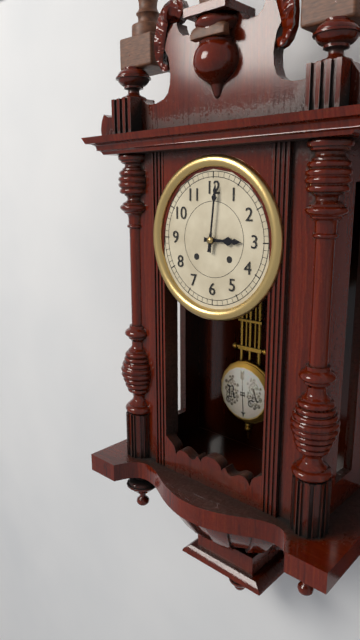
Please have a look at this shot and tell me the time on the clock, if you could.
3:01
